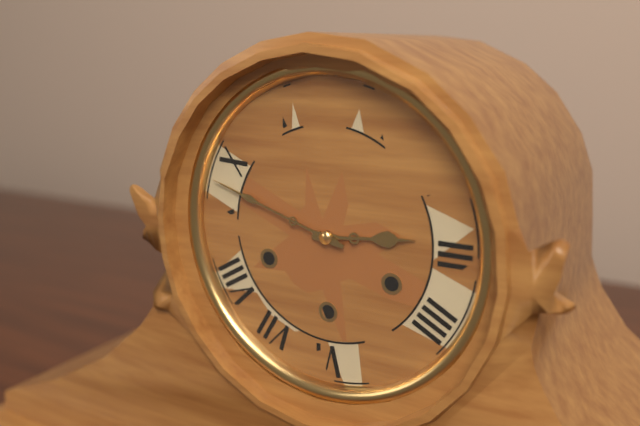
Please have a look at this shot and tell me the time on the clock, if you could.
2:48
